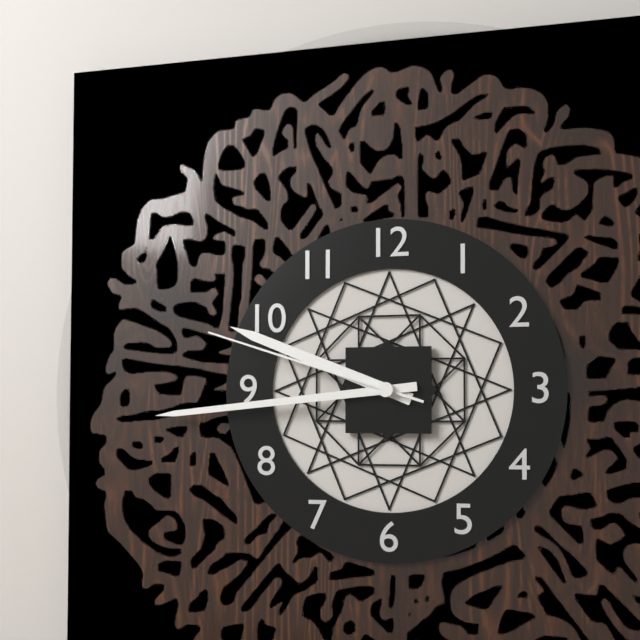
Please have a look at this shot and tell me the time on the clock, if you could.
9:44:48
